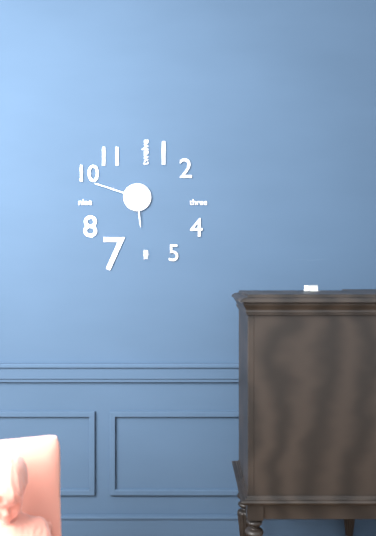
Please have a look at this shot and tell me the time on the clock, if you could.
5:48
